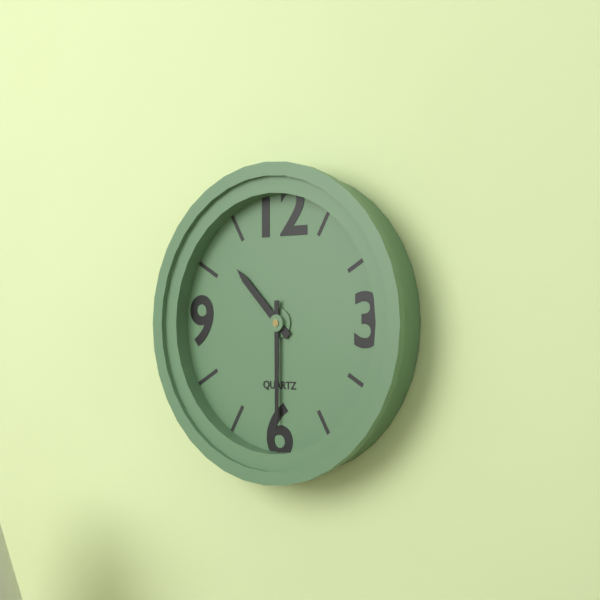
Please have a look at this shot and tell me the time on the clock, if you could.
10:30
